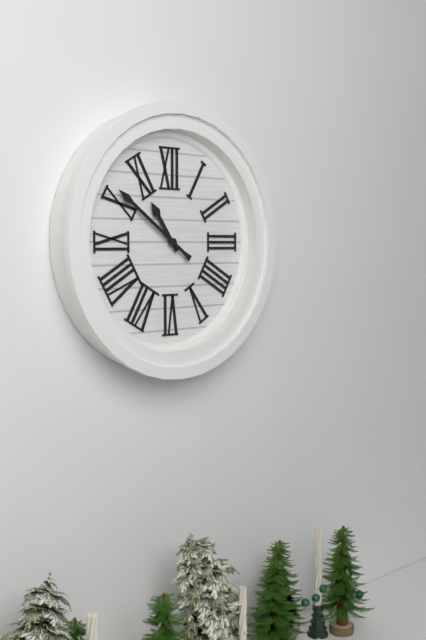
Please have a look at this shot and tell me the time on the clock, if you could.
10:51
